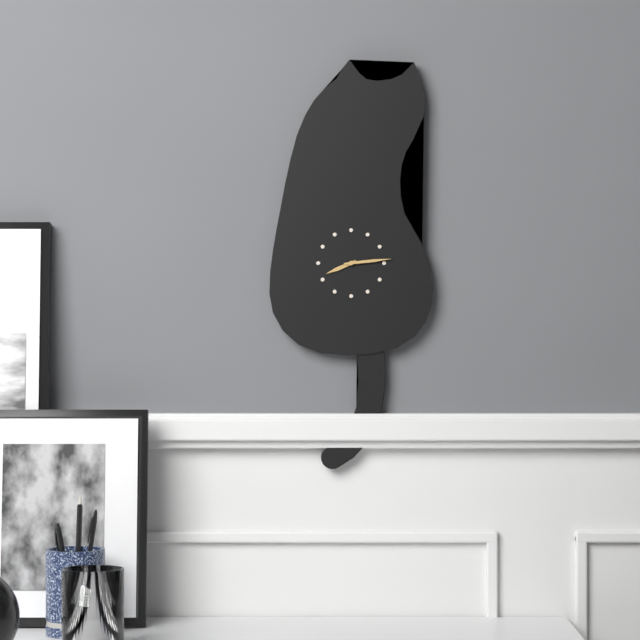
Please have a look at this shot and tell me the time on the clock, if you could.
8:14
